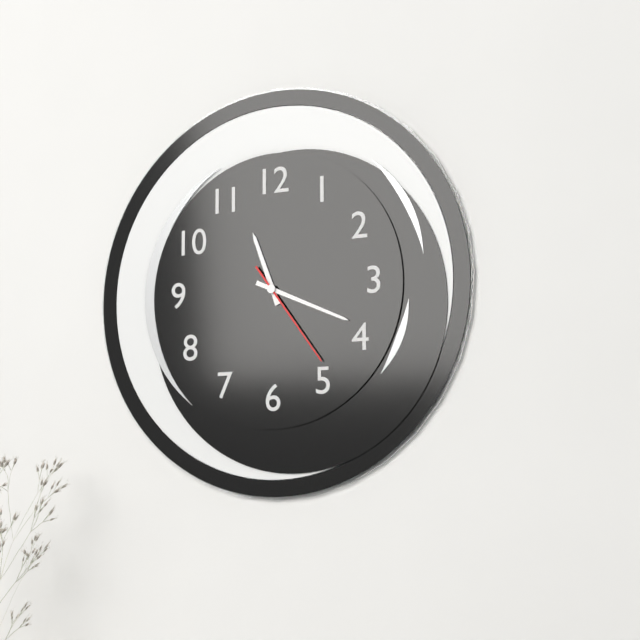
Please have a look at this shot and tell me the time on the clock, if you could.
11:19:24
